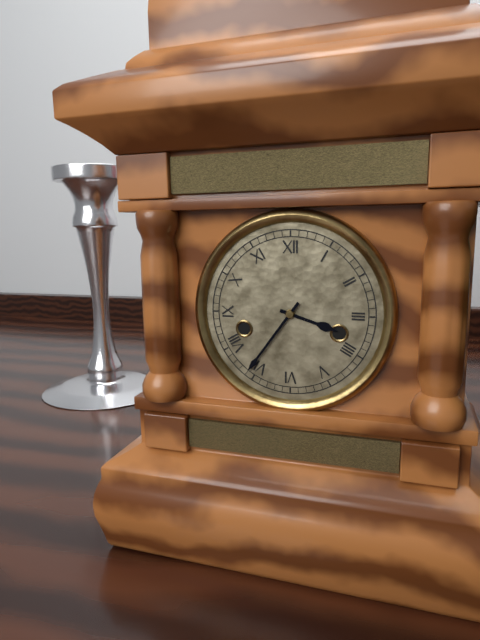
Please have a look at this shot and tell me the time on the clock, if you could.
3:36
